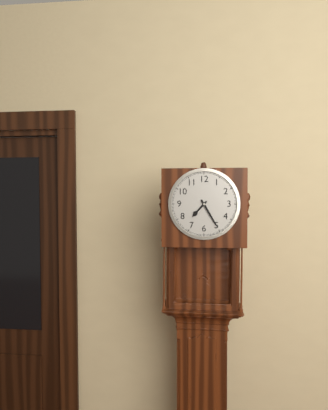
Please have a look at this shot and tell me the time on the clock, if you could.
7:25
